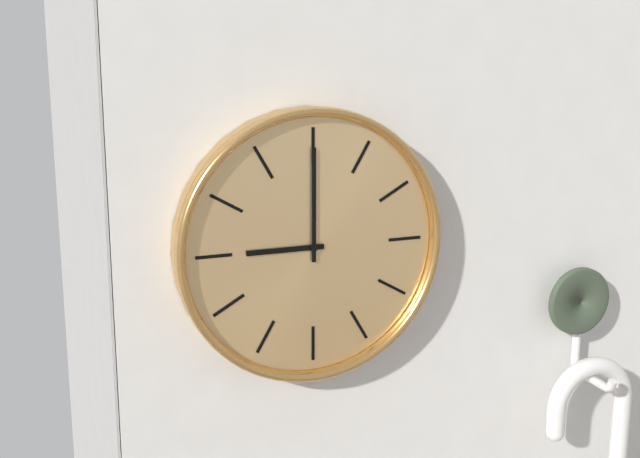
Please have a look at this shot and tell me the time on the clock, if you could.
9:00
